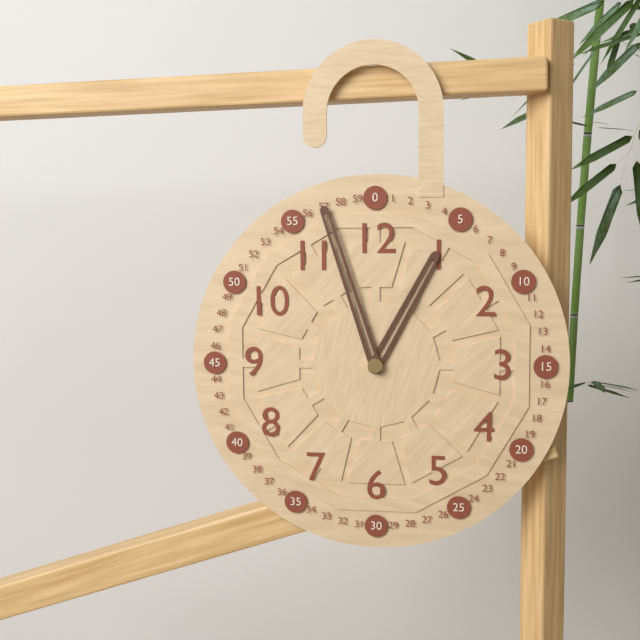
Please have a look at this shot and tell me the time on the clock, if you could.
12:57
